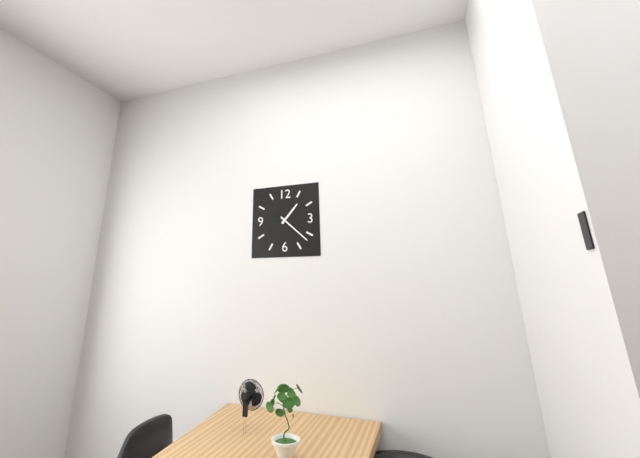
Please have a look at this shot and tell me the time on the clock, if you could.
1:22
